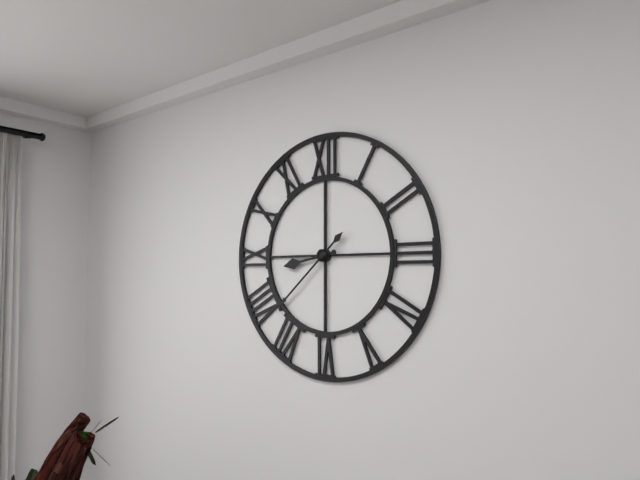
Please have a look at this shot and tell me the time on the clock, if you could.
8:38
